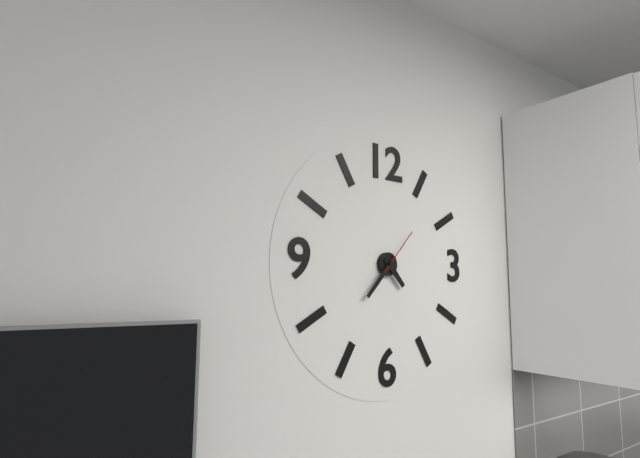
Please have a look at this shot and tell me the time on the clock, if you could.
4:37:07
